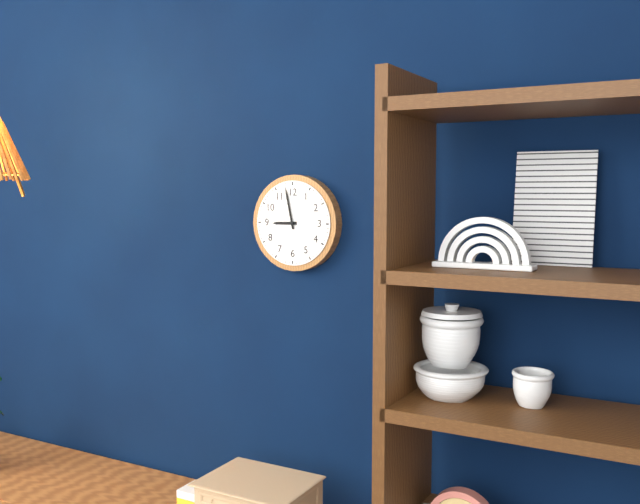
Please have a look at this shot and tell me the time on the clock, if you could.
8:58
